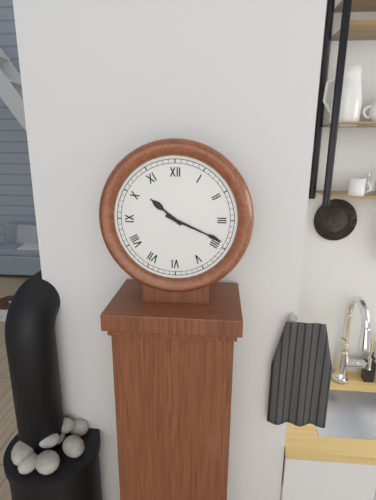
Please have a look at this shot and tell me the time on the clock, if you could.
10:19
